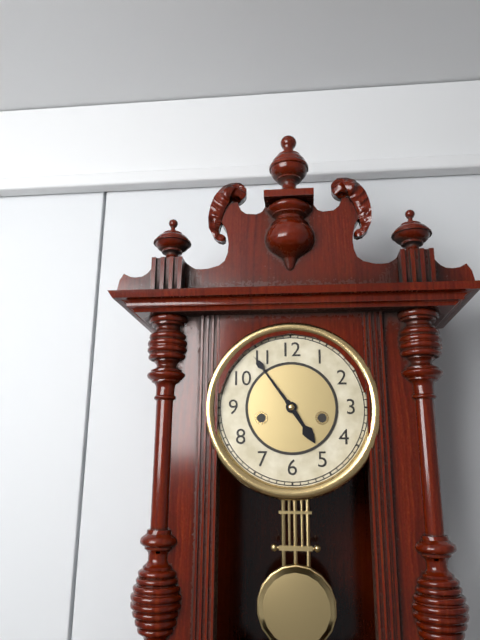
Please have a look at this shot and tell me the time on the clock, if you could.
4:54
